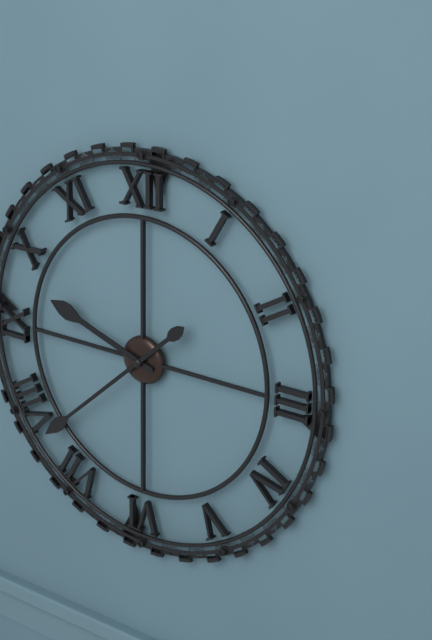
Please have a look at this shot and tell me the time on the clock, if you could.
9:38
